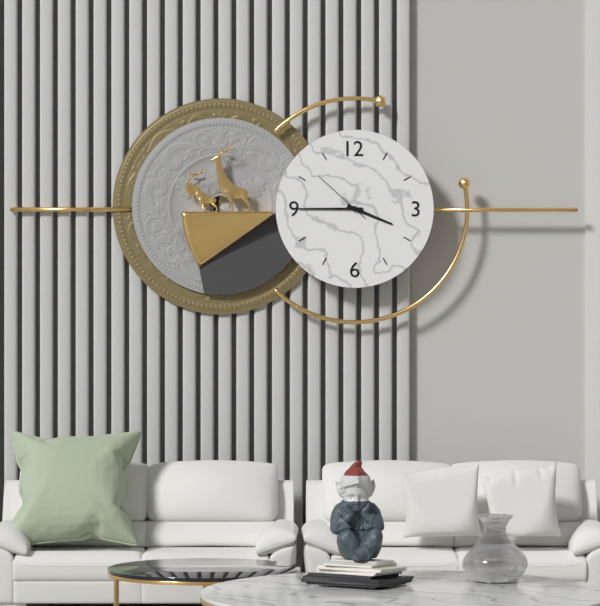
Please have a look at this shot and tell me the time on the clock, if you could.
3:45:52
